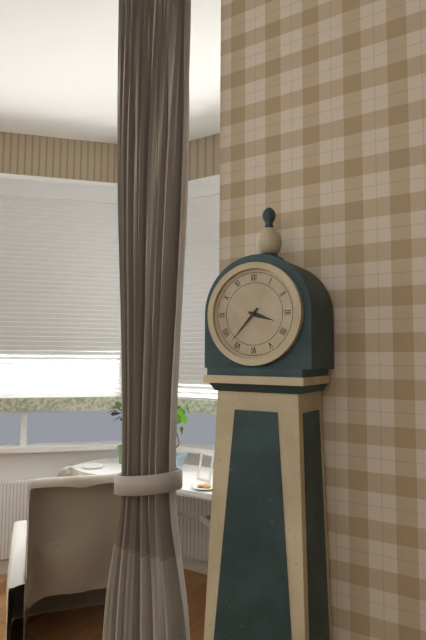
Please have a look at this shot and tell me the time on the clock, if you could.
3:37
